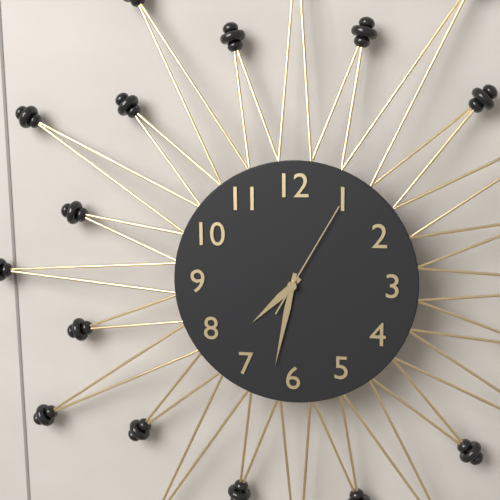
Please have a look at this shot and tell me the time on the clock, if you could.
7:32:05
